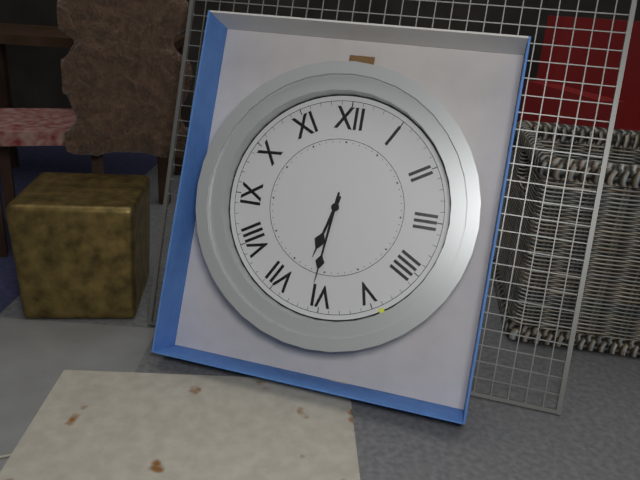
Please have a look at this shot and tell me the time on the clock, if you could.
6:31
